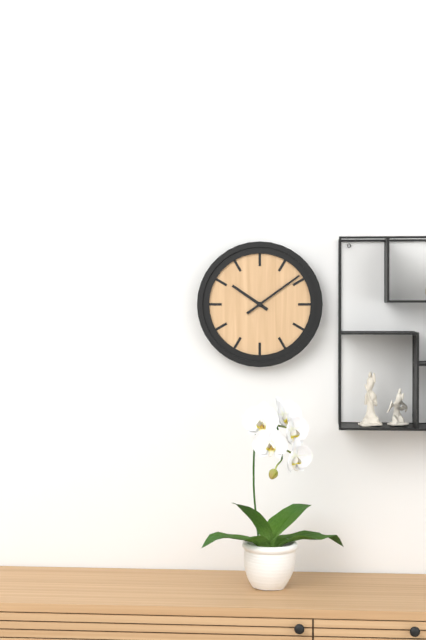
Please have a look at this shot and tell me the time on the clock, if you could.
10:09
